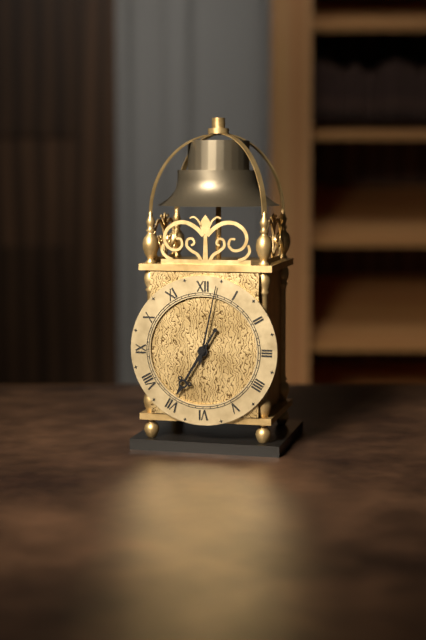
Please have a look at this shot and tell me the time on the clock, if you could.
7:02
